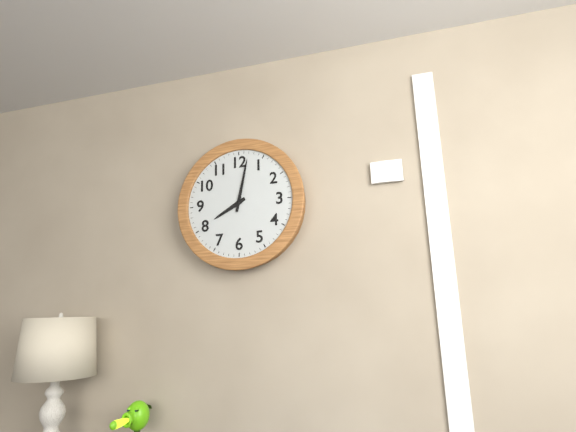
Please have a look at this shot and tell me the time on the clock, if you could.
8:02
